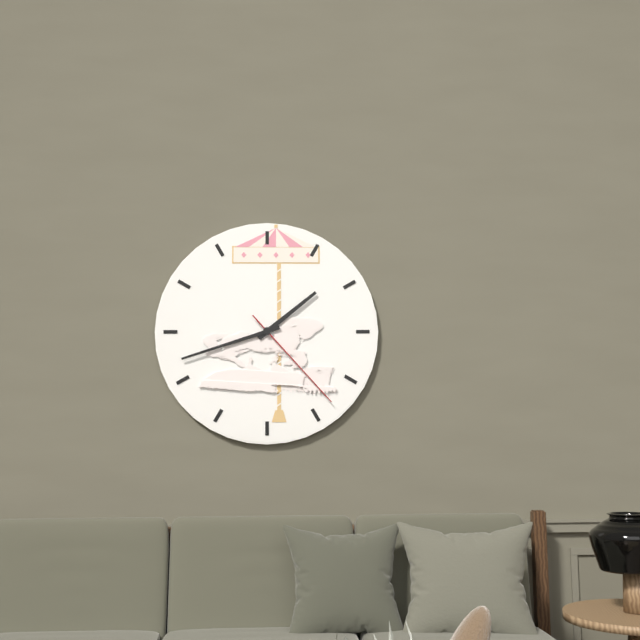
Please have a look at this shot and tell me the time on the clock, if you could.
1:42:23
